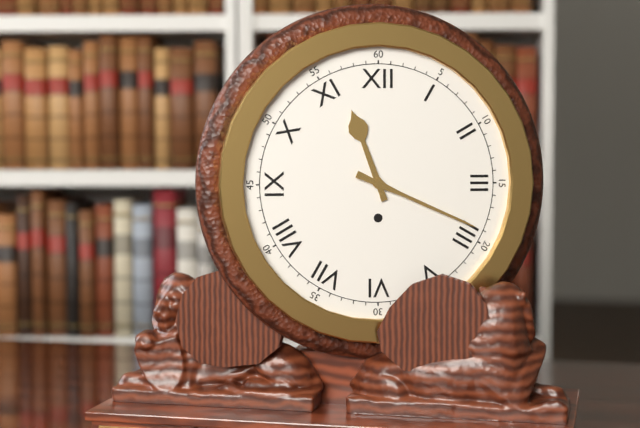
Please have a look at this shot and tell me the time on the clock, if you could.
11:19
